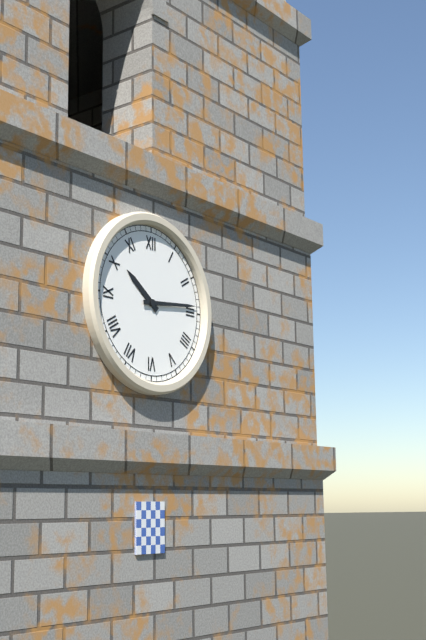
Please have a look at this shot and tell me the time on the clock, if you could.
10:14
